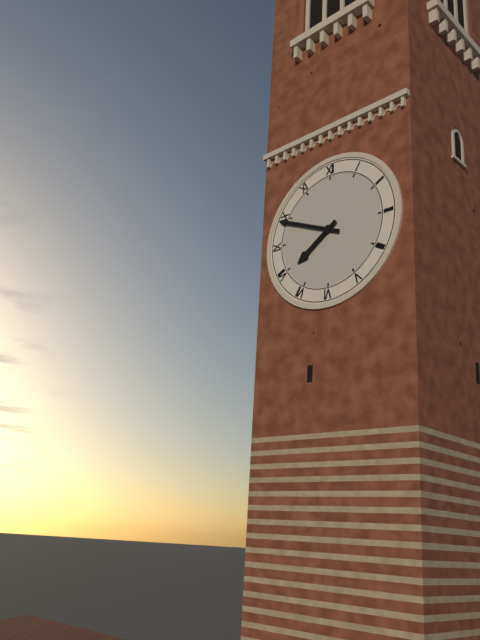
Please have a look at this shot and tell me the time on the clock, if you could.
7:49
